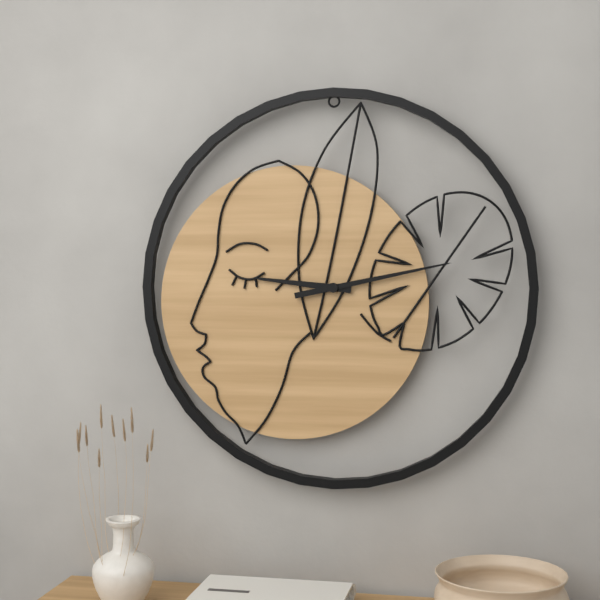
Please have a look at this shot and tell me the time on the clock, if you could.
9:13
